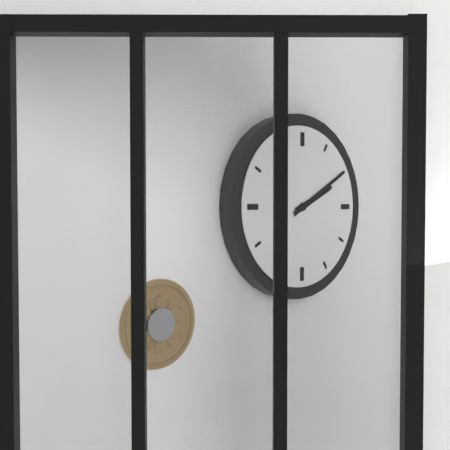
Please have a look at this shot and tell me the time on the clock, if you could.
2:10
